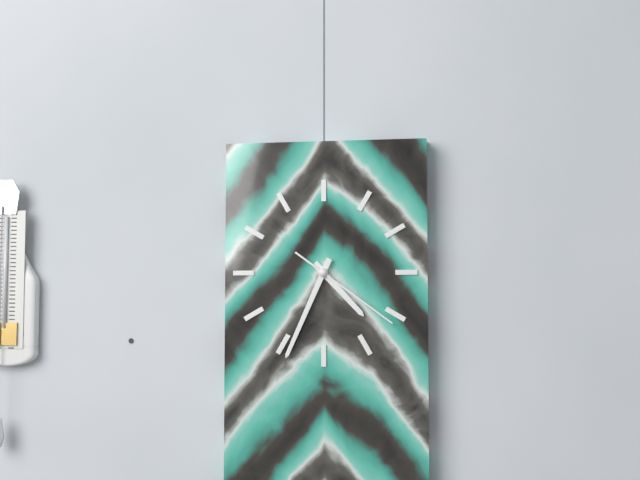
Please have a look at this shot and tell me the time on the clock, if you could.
4:34:21
